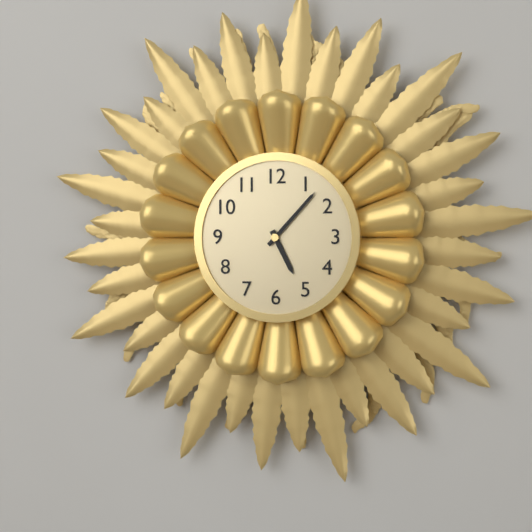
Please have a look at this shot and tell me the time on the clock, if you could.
5:07
